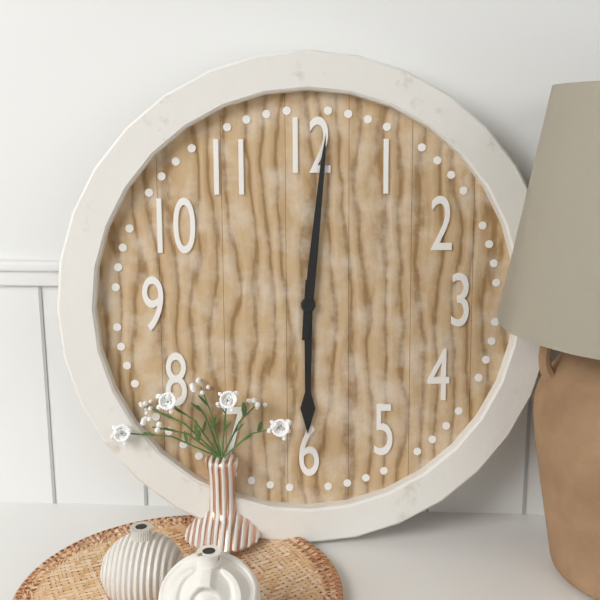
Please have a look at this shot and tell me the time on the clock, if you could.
6:01
